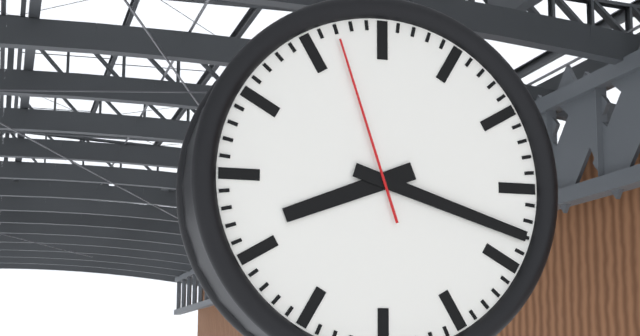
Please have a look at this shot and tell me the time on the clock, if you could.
8:18:57
